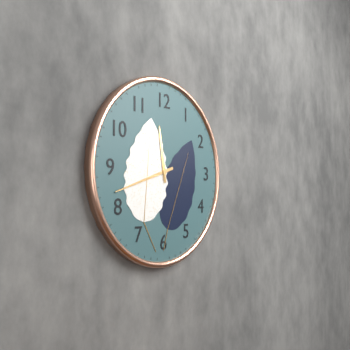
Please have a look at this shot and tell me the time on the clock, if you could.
11:42
